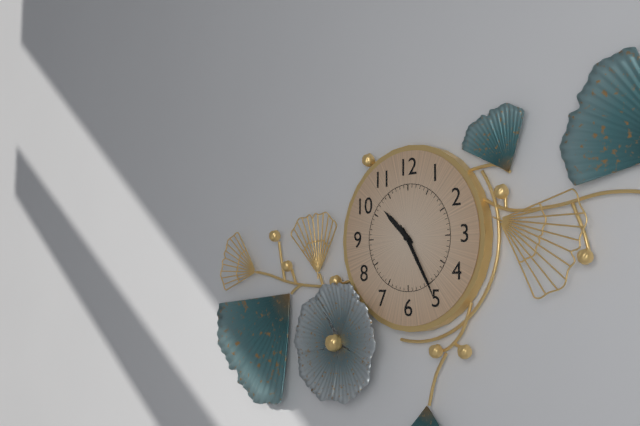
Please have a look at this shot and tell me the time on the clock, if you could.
10:25:25
